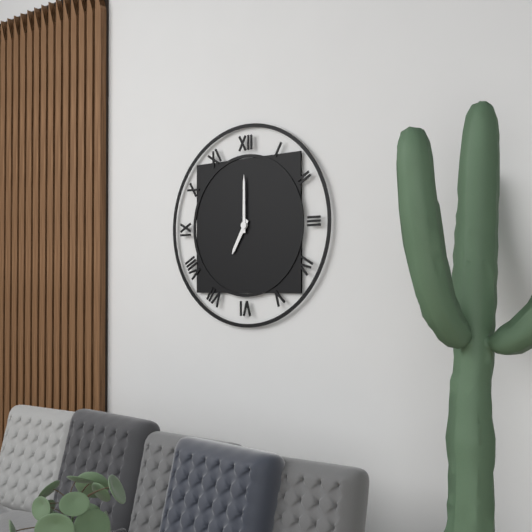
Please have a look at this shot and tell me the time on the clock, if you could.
7:00
